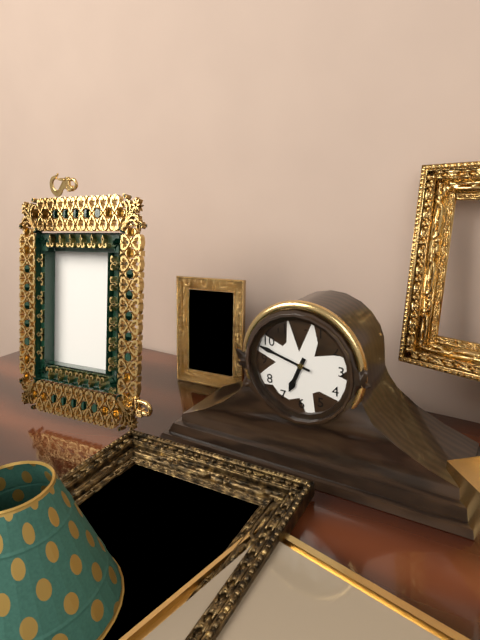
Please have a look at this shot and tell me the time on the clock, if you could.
6:48
